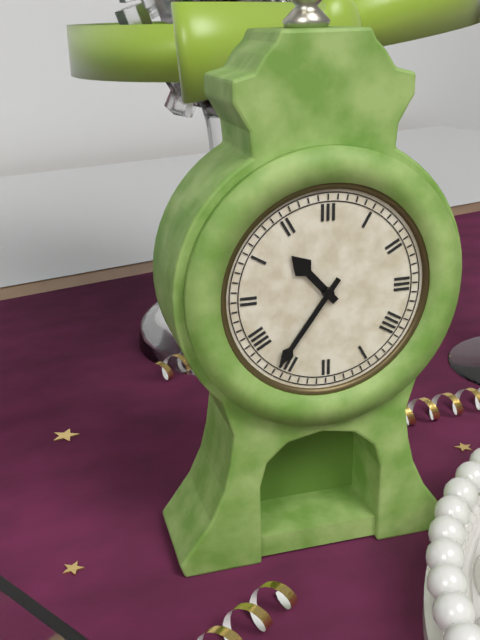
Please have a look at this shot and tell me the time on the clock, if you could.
10:36
